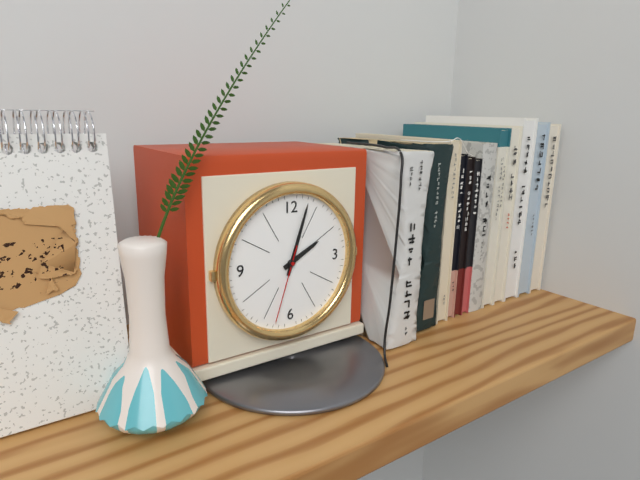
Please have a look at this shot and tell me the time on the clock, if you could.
2:03:33
